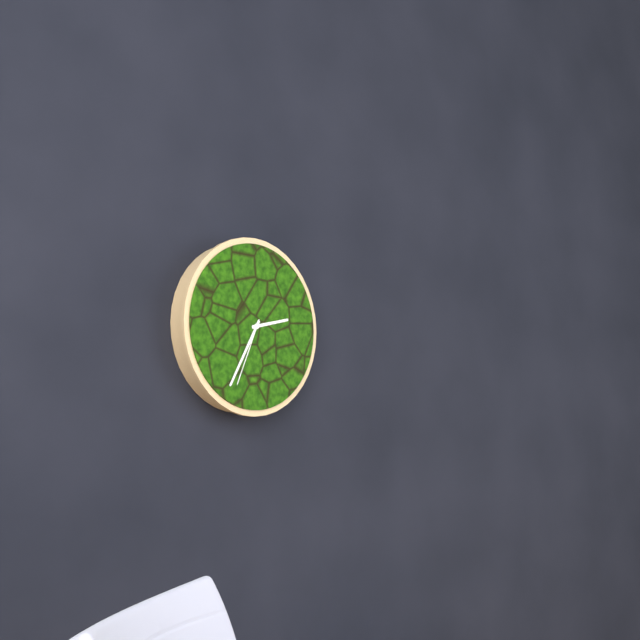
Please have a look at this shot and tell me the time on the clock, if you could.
2:35:34
